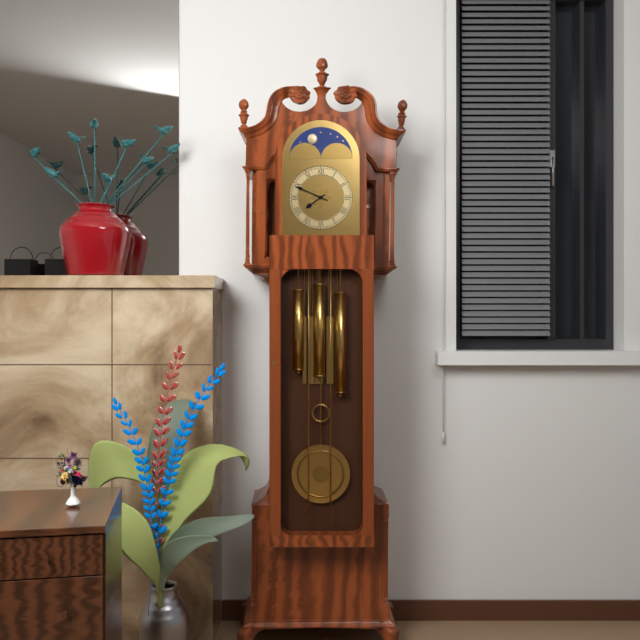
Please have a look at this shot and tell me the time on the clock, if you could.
7:49
